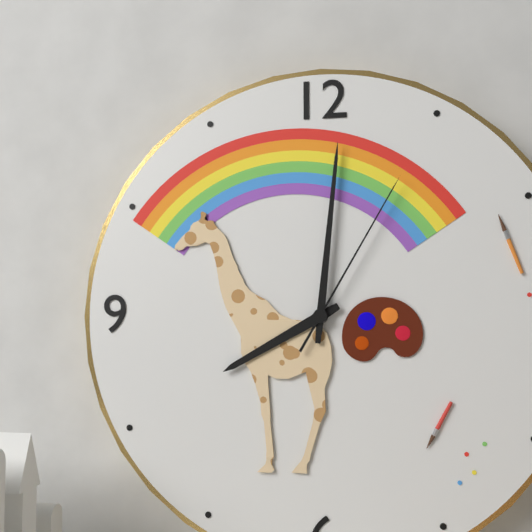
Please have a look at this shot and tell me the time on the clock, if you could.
8:01:05
